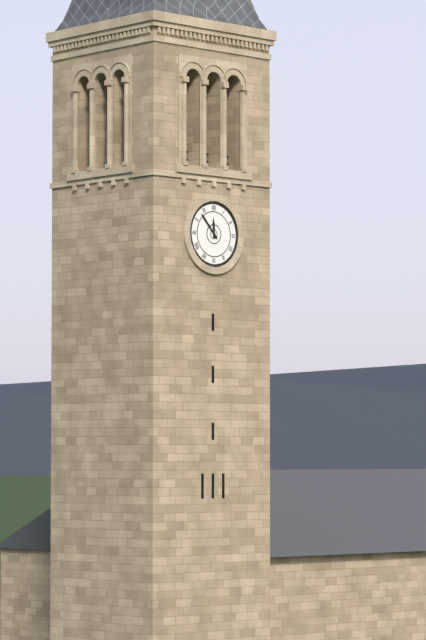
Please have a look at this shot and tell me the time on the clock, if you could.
11:53
